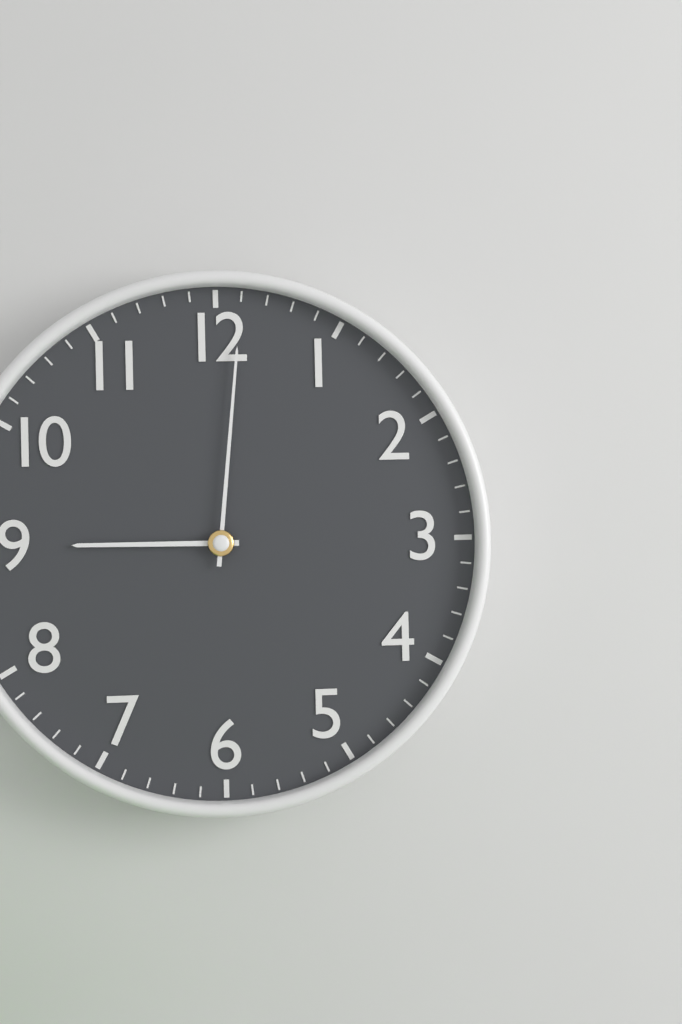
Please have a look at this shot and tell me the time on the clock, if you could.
9:01
